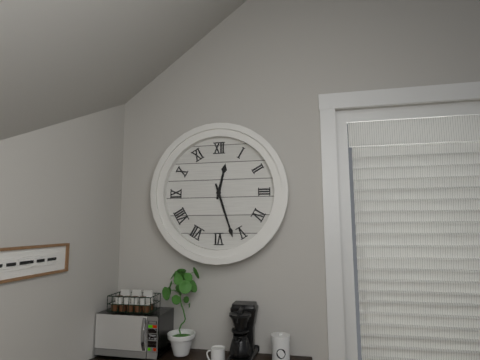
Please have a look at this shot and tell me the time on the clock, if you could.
12:27
